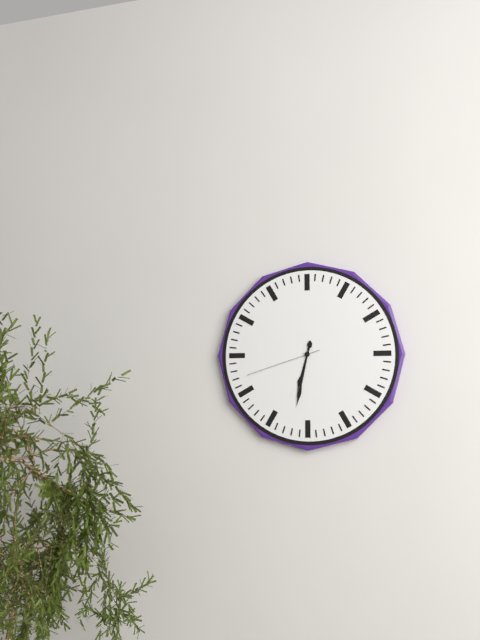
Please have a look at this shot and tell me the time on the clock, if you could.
6:32:42
